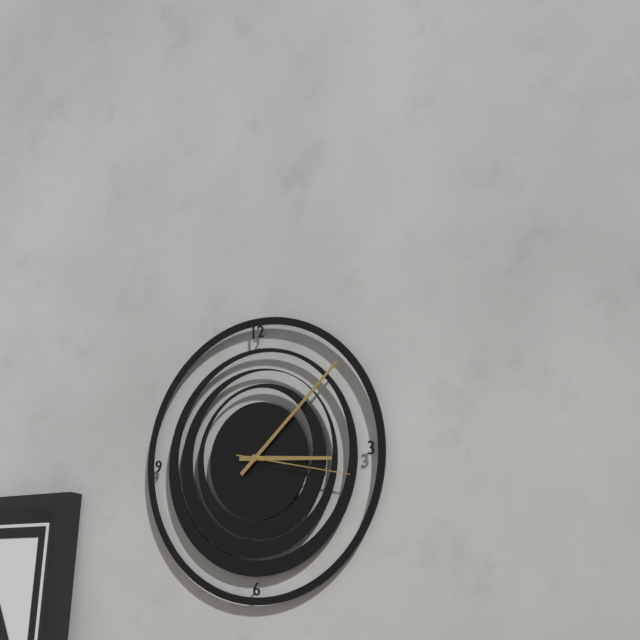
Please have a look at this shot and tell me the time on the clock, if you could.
3:08:17
